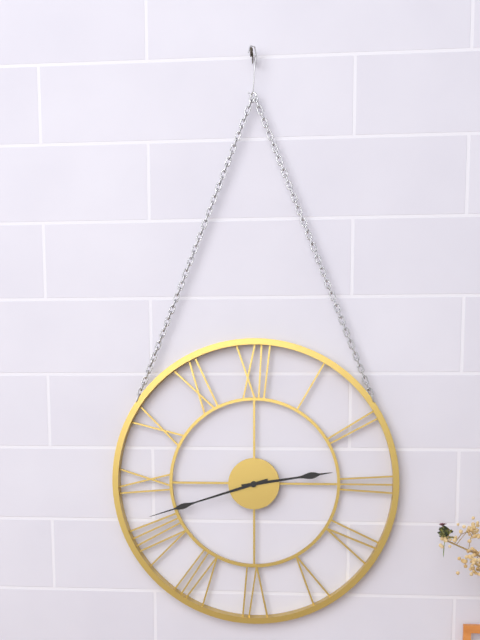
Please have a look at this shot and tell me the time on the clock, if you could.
2:42
